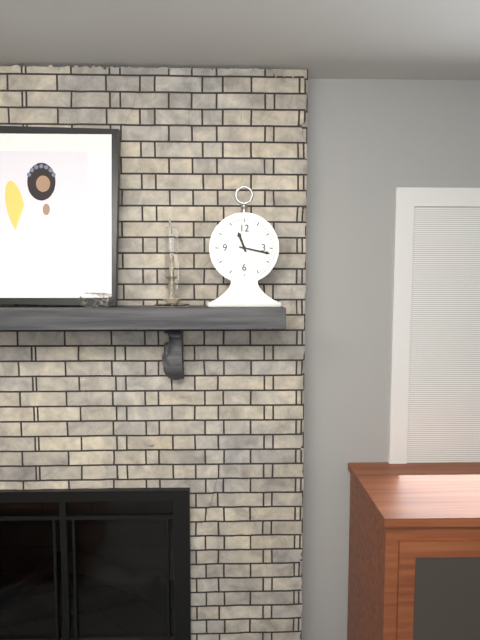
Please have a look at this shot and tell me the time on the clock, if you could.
11:17
